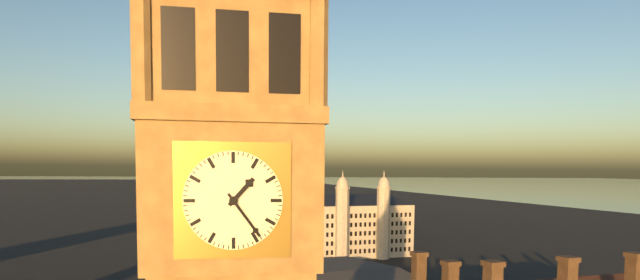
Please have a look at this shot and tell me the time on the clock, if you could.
1:24
